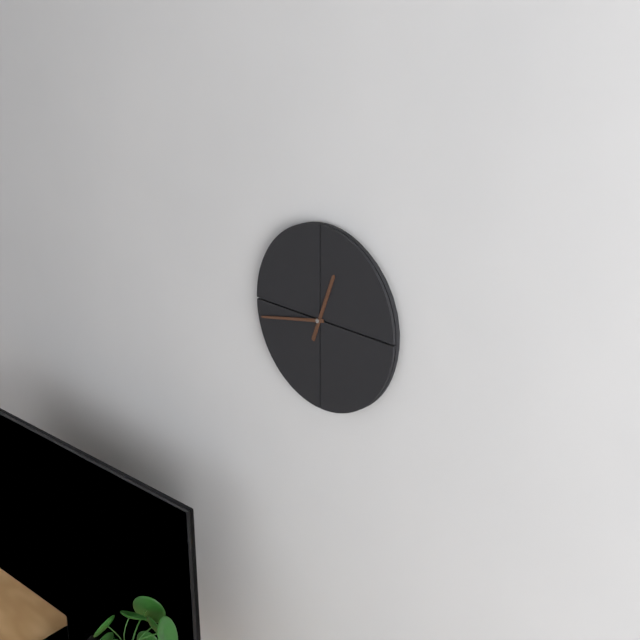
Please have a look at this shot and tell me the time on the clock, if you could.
12:43
